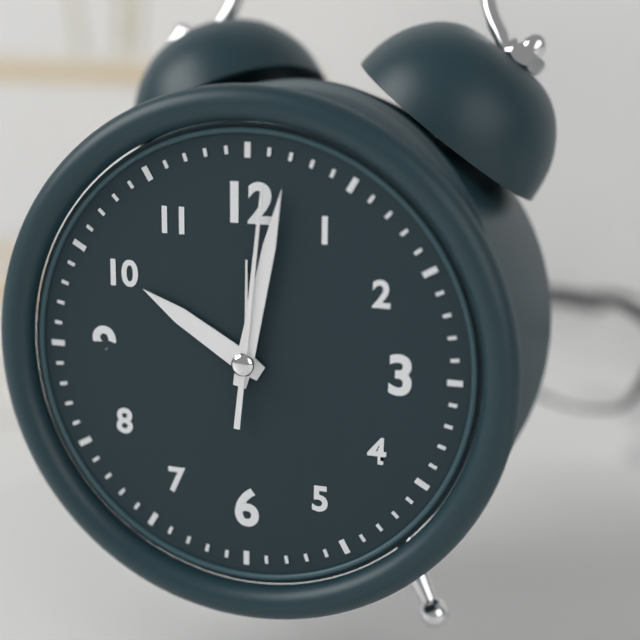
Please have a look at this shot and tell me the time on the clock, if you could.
10:02:01
